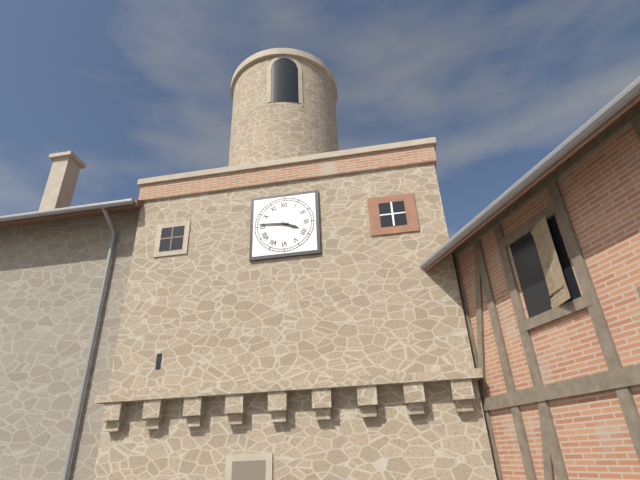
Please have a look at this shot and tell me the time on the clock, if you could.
3:46
